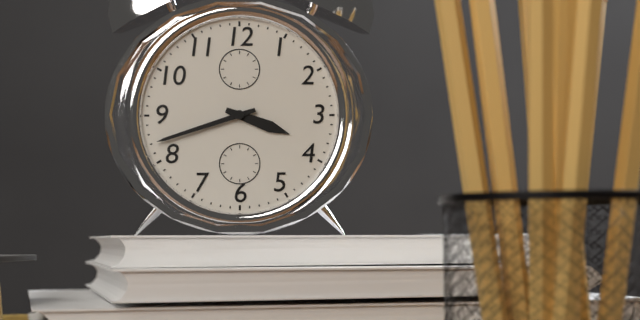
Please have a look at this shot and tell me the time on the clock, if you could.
3:42
